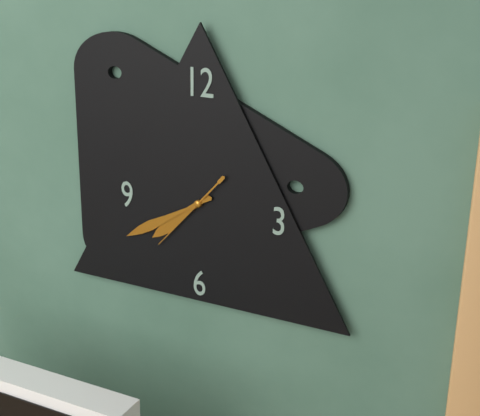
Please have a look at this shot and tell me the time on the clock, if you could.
7:40:37
